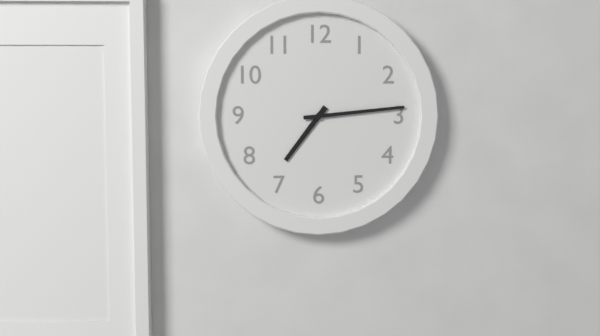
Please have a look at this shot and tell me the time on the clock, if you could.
7:14
